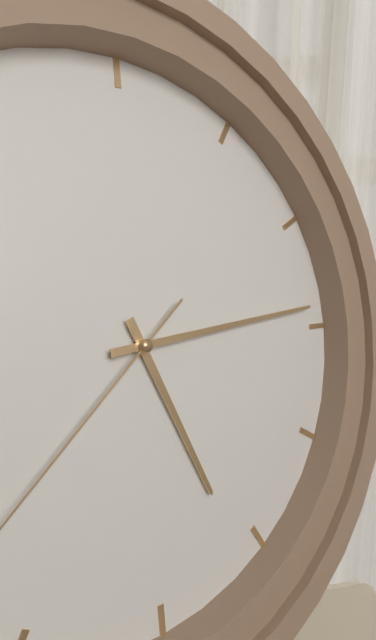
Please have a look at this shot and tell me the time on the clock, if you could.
5:14
